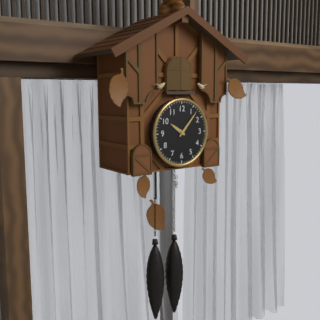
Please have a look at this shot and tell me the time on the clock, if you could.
10:07
